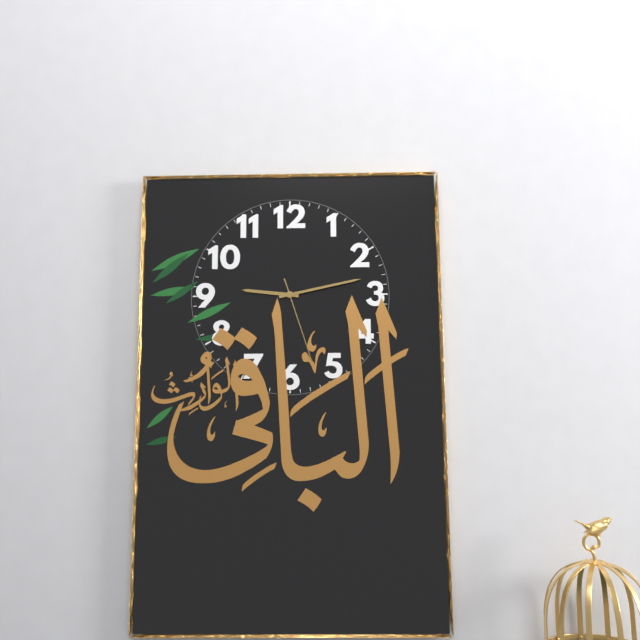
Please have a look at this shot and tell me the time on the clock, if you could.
9:13:27
